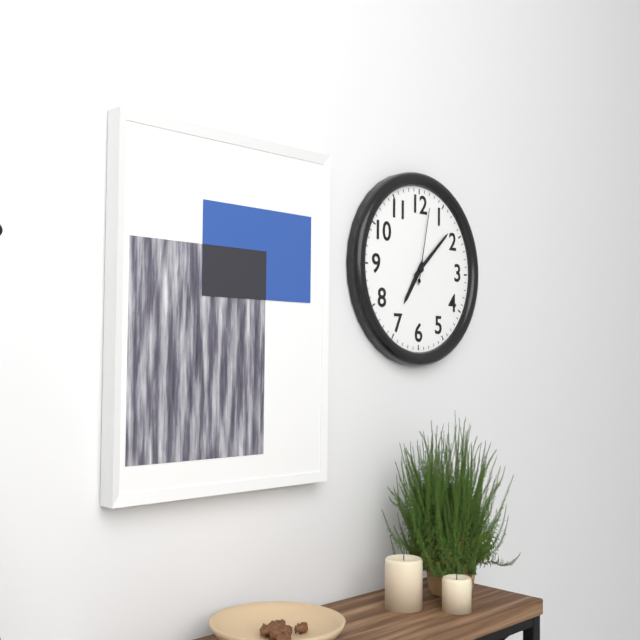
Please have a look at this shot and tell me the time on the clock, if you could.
7:08:02
